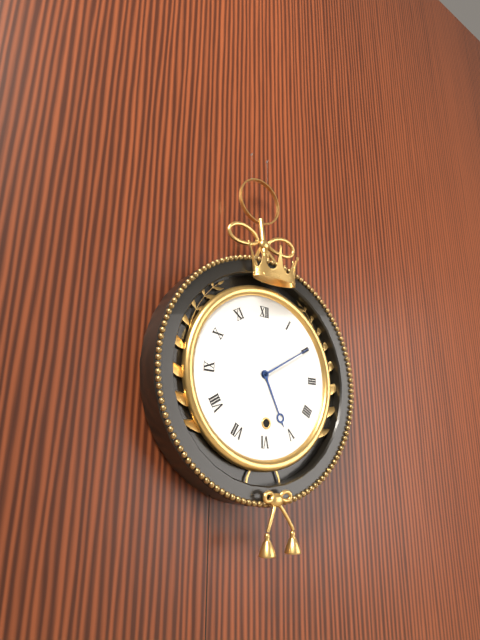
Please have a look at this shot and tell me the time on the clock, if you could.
5:10
